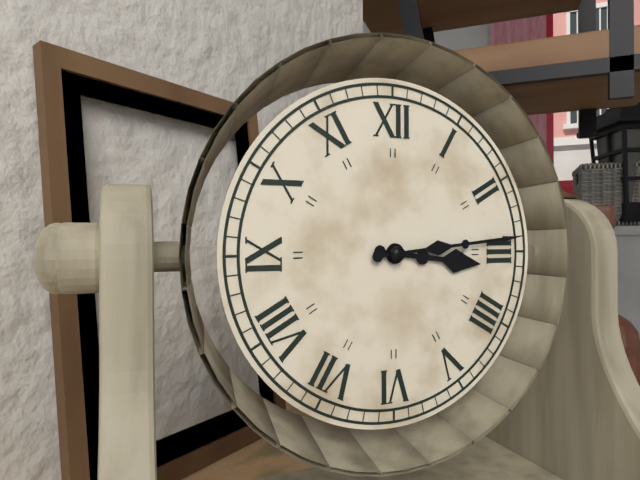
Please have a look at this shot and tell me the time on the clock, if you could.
3:14
